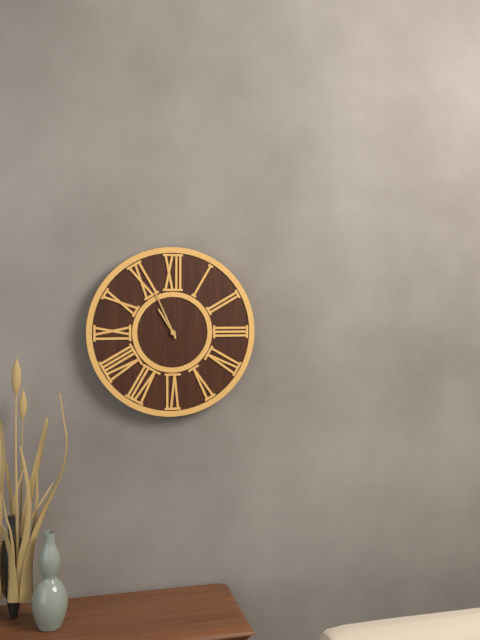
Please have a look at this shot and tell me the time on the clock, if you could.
10:56
